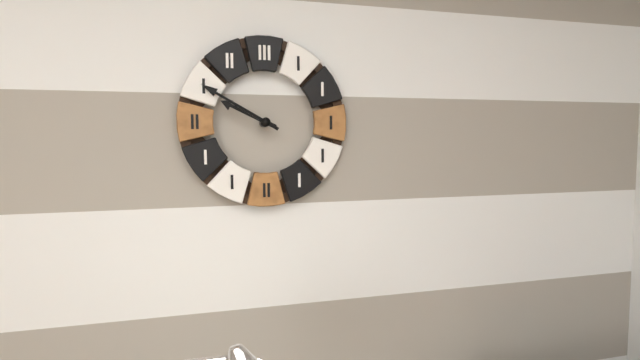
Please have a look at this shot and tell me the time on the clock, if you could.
9:50
